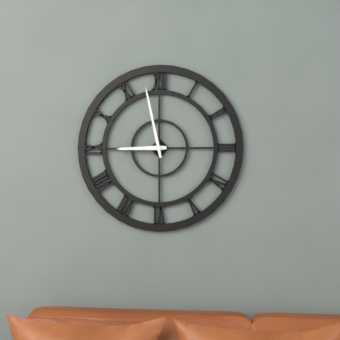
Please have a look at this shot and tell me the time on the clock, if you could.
8:58
